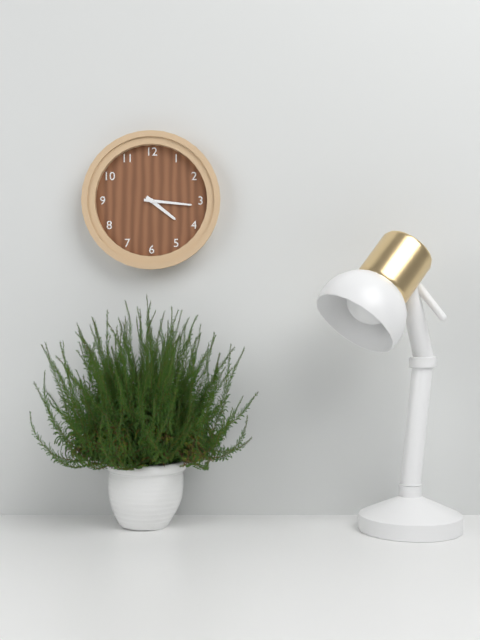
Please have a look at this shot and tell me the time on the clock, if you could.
4:16
